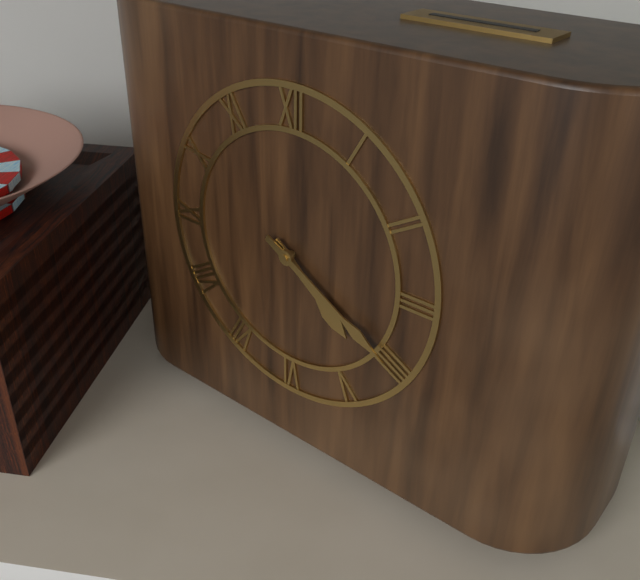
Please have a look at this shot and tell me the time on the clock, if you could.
4:20
